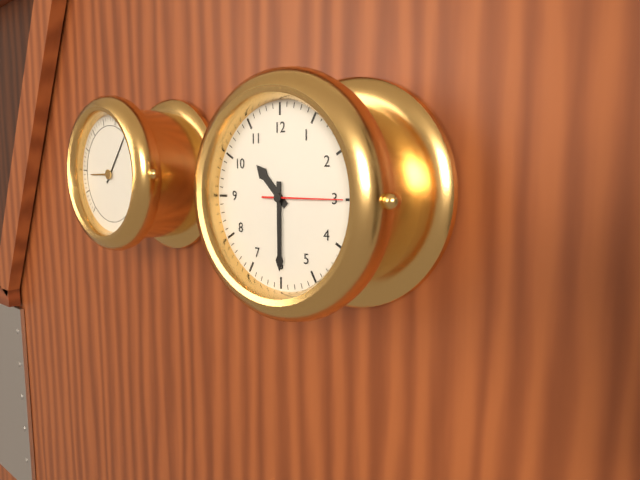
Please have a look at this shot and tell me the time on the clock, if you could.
10:30:15
